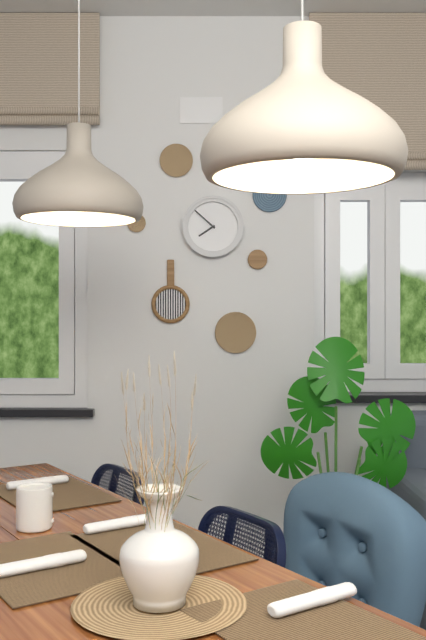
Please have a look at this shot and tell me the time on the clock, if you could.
7:52
